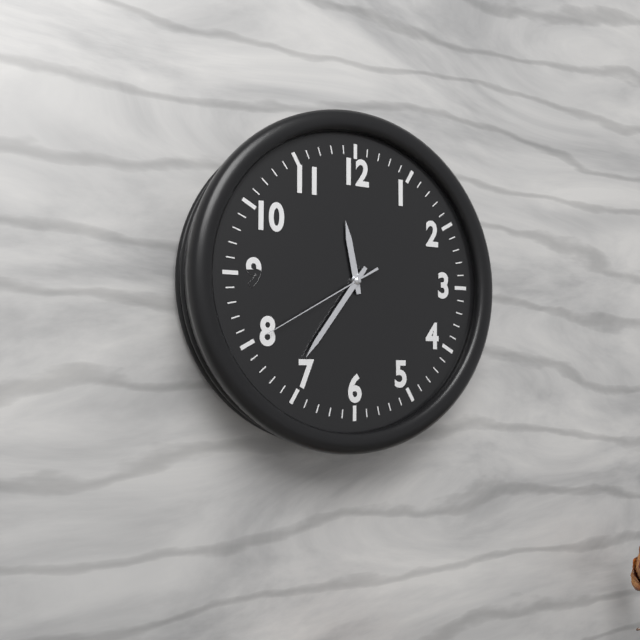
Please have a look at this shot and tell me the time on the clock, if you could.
11:36:40
